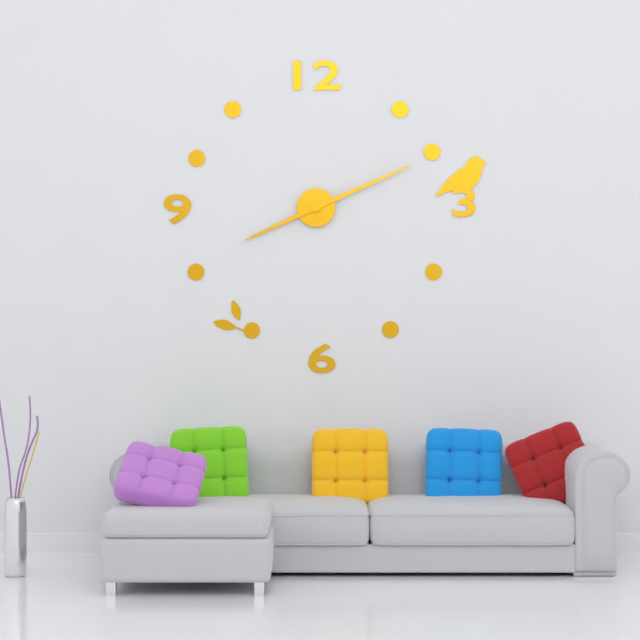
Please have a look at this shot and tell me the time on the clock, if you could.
8:11
